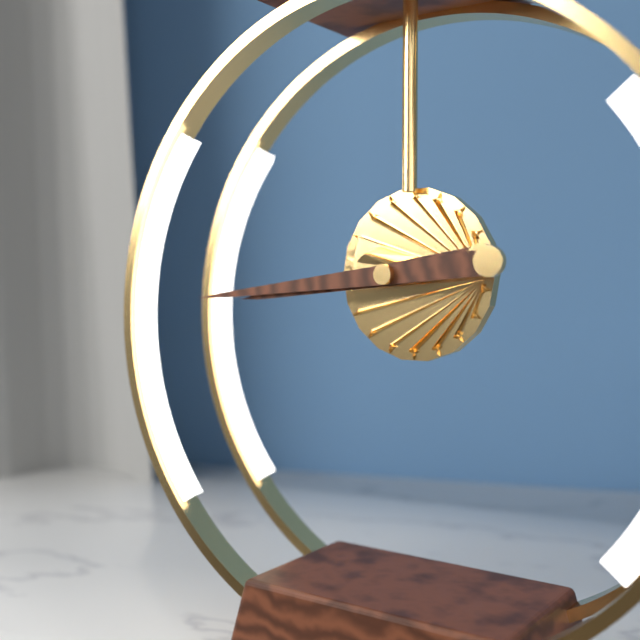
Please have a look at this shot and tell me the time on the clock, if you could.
8:44
